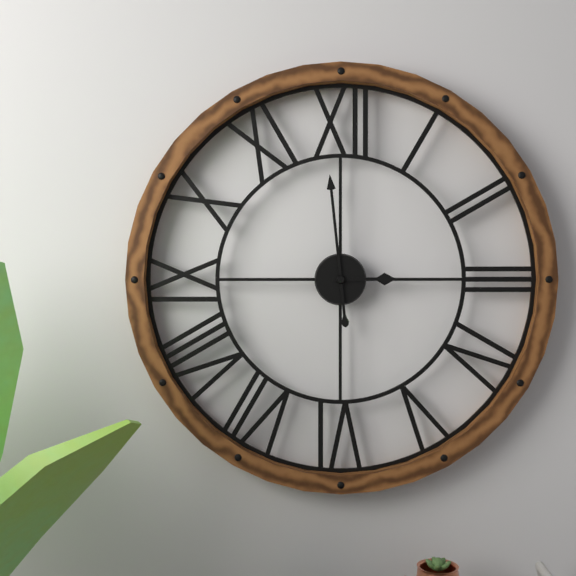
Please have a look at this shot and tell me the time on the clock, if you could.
2:59
